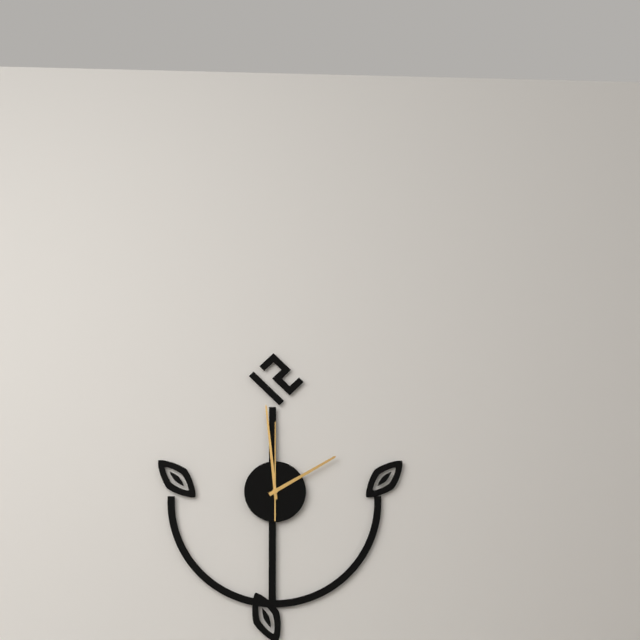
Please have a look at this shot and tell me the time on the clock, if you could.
1:59:00
